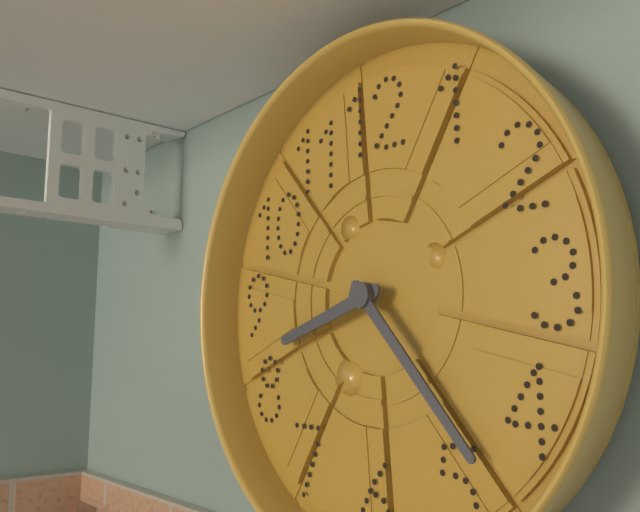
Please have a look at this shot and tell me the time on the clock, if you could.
8:23
